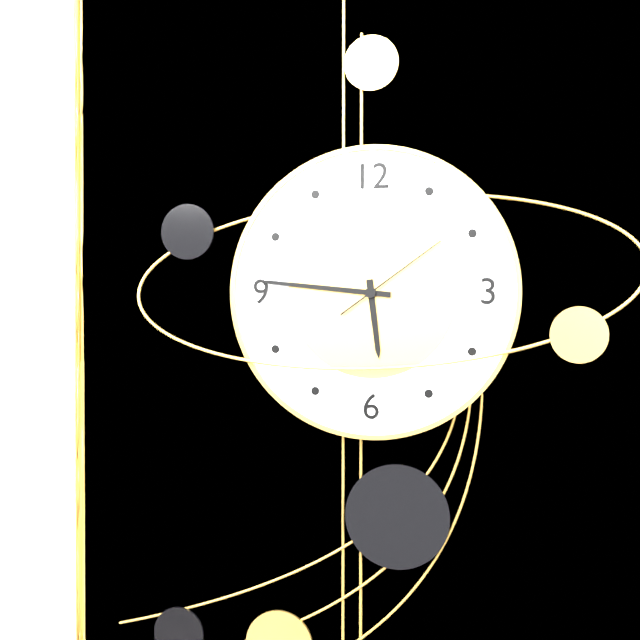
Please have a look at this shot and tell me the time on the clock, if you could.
5:46:09
